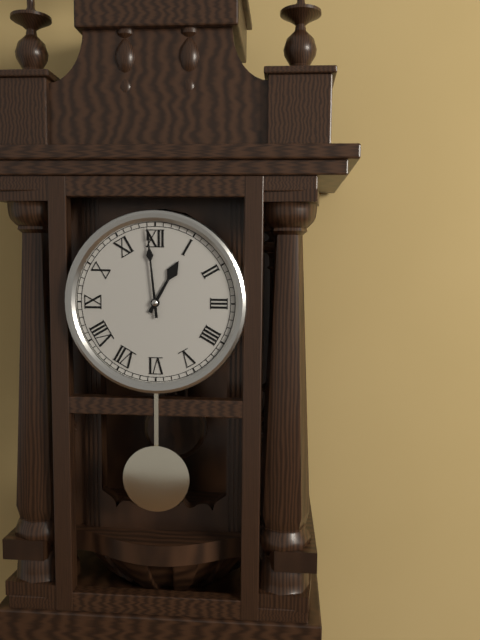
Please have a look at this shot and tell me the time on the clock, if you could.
12:59
